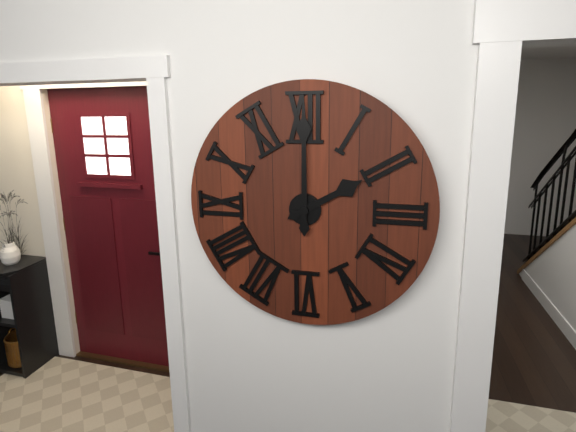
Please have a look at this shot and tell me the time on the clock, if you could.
2:00
